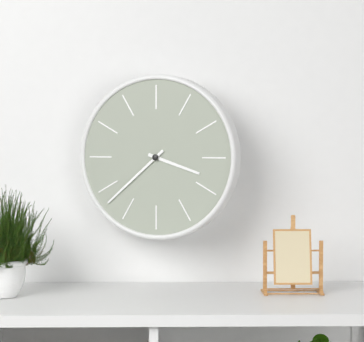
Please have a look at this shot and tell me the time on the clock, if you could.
3:38
